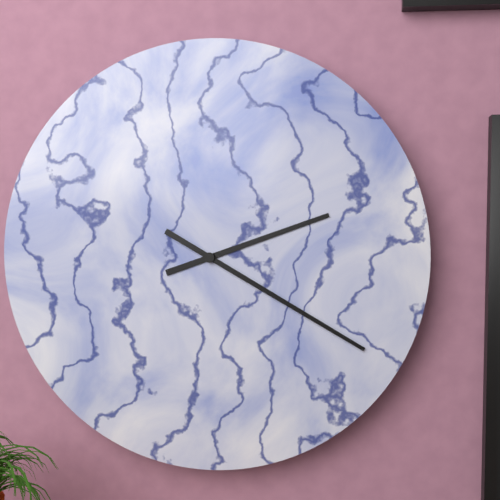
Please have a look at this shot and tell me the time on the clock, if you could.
2:20
